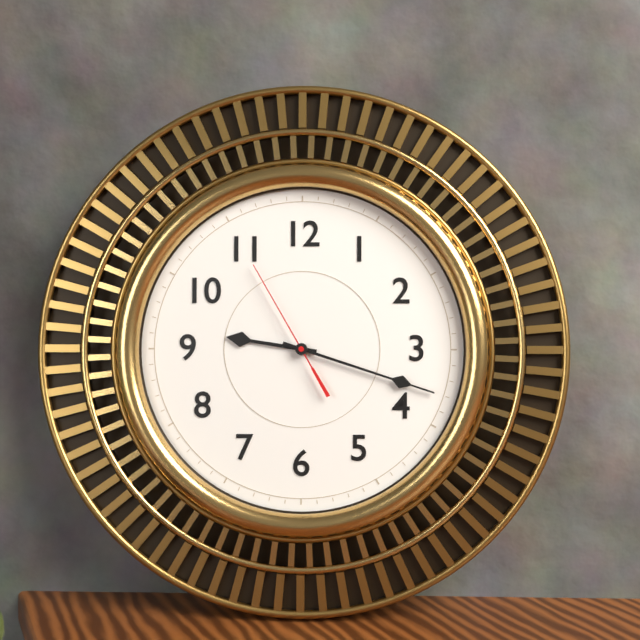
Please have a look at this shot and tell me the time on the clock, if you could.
9:18:55
